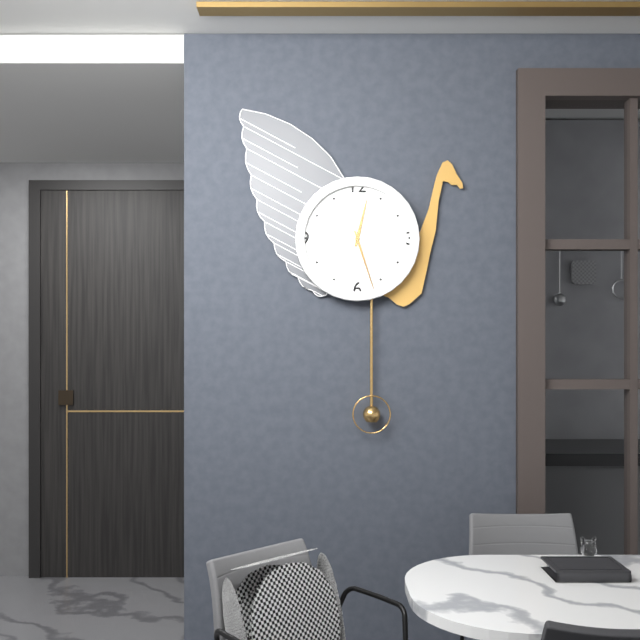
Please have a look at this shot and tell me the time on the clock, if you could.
12:27
